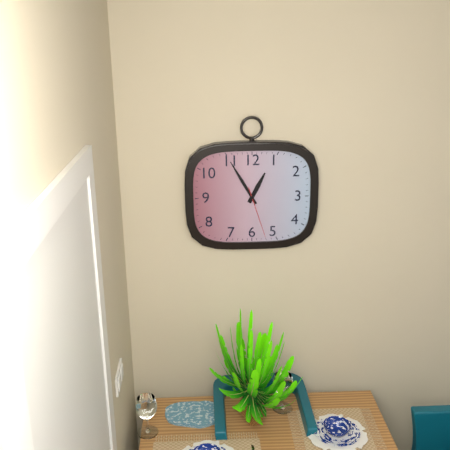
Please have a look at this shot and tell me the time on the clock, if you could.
12:55:27
